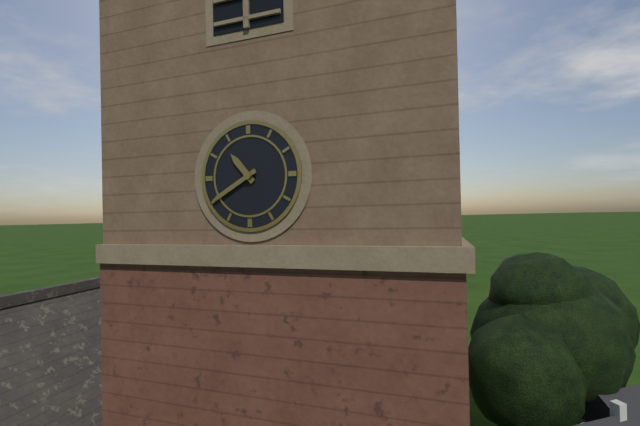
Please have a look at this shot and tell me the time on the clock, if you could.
10:40
